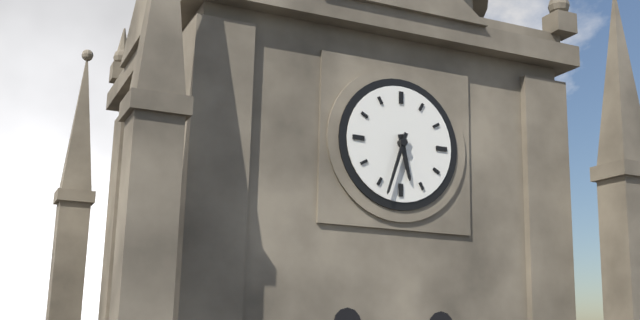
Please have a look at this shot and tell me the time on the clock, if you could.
5:33
